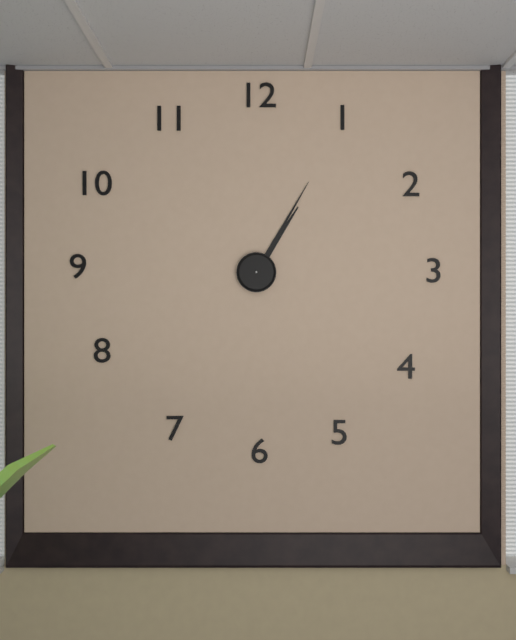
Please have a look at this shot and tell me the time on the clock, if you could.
1:05
